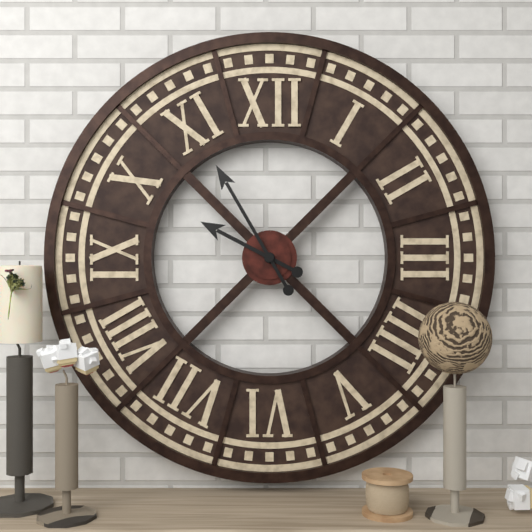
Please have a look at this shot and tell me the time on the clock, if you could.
9:55
